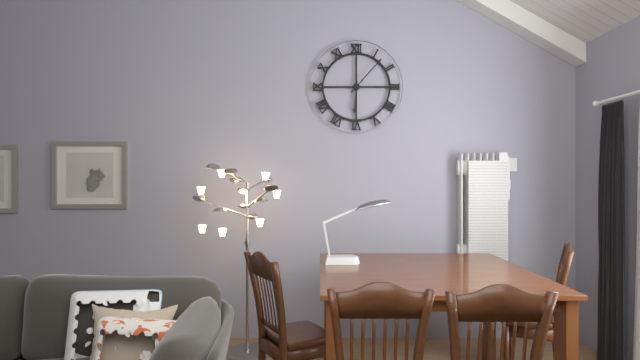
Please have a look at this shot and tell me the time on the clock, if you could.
6:07
